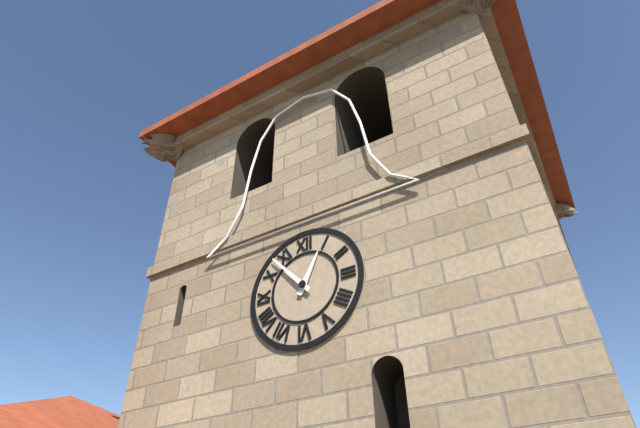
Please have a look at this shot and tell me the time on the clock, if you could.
12:53
